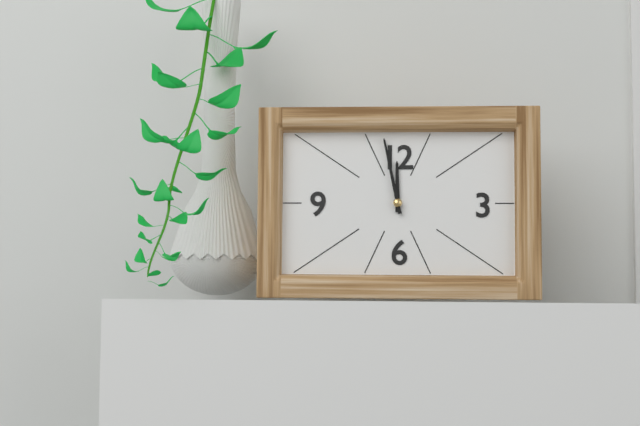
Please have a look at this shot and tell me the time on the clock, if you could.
11:58
